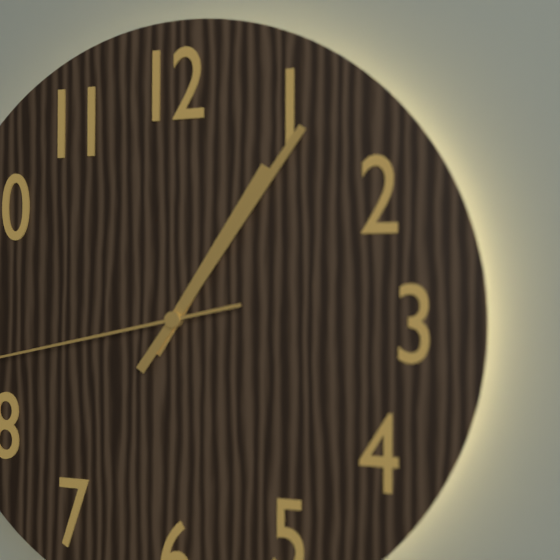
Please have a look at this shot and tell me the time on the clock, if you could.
1:06
